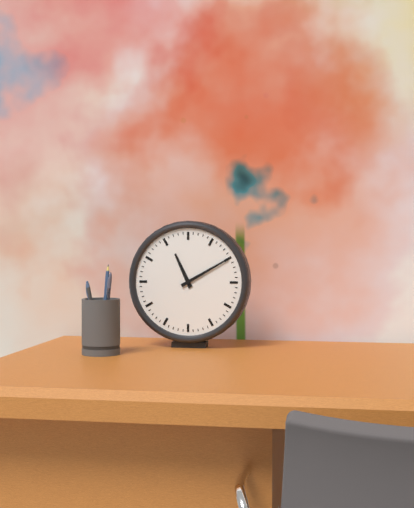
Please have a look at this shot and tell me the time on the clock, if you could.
11:10
